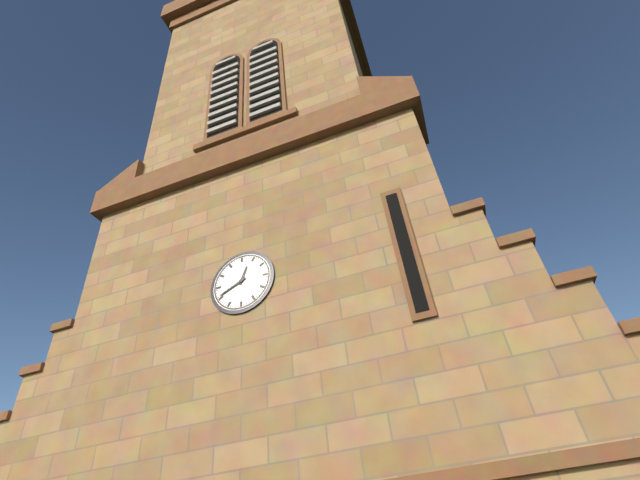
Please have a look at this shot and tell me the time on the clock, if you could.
12:41
